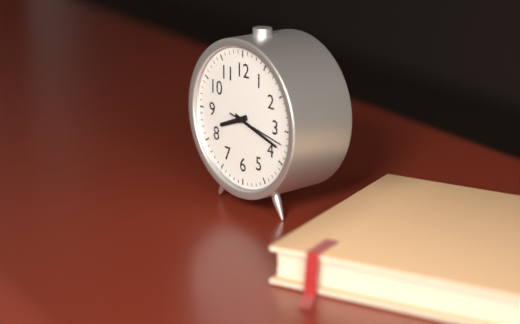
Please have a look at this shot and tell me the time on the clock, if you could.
8:18:17
